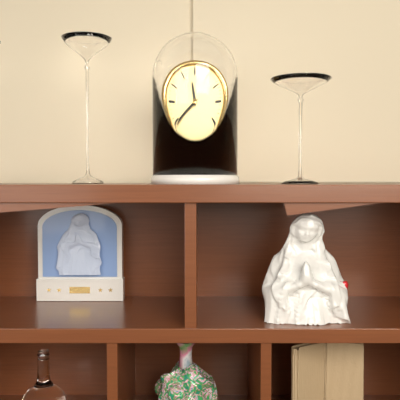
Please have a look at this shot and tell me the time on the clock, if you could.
11:39
